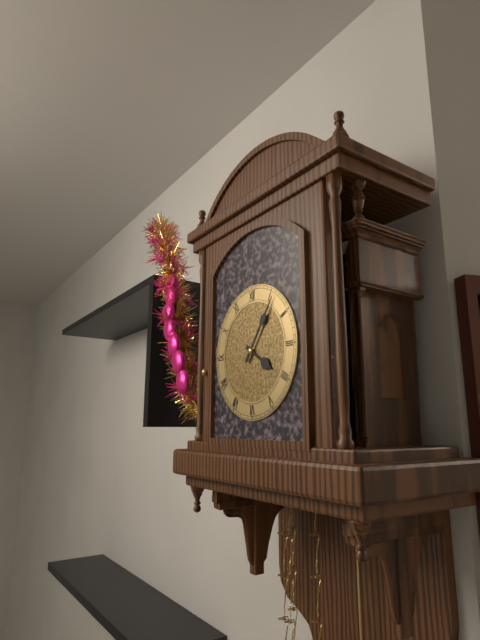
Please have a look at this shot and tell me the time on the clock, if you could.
4:06
